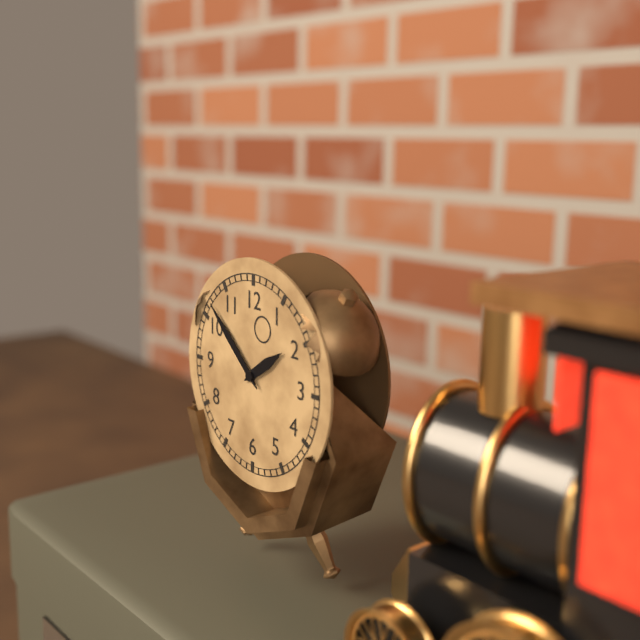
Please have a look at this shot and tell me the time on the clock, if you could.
1:52
